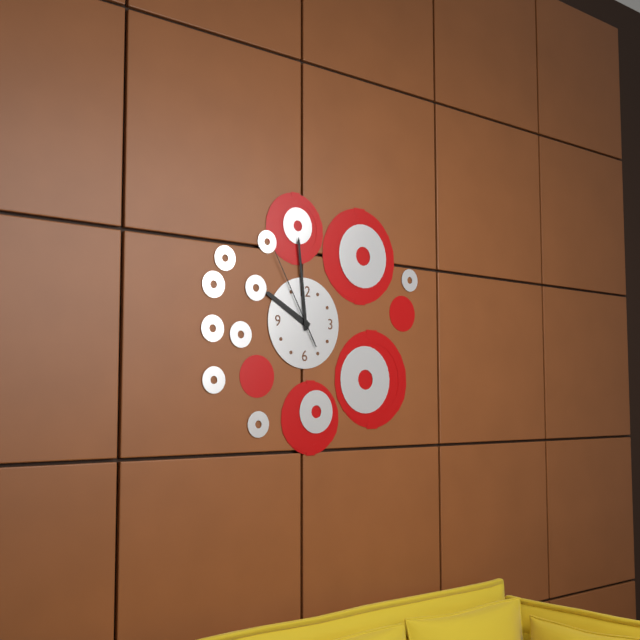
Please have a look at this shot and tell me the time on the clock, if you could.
9:59:55
